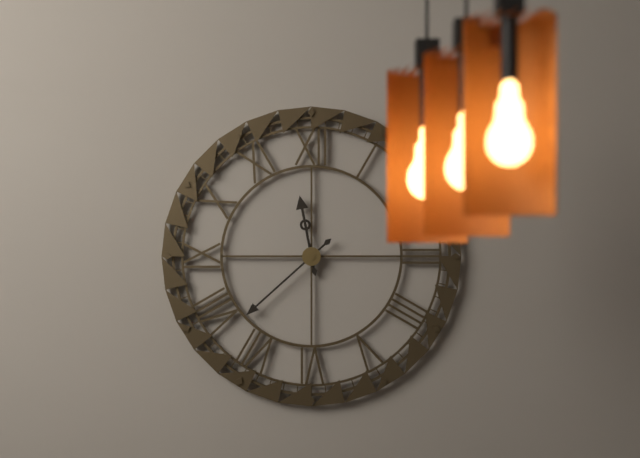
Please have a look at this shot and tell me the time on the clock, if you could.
11:38
